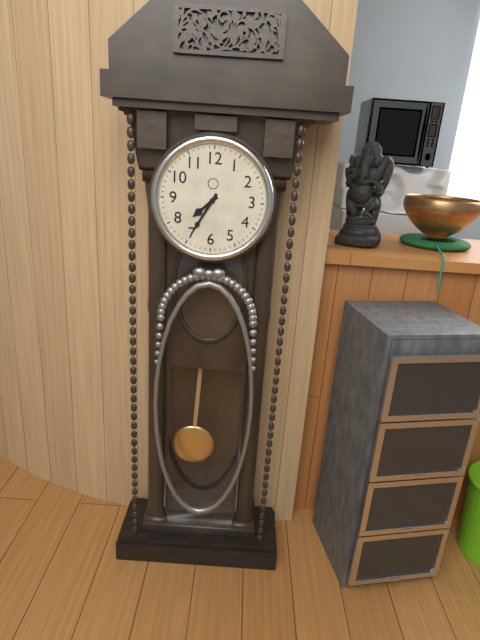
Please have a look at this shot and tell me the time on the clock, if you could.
7:35
